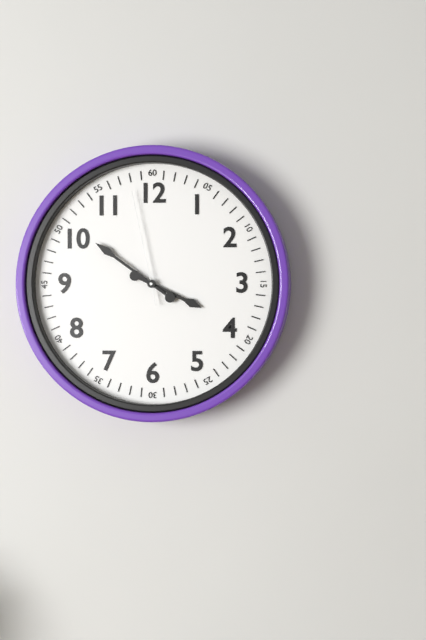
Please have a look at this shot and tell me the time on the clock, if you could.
3:51:58
